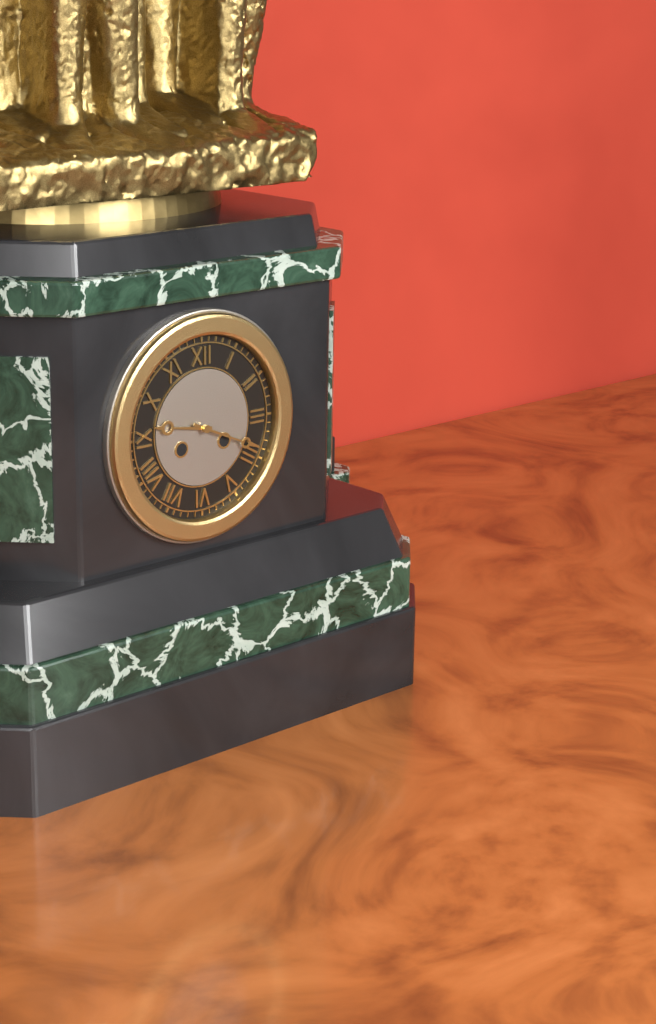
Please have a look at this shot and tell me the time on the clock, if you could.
9:19
